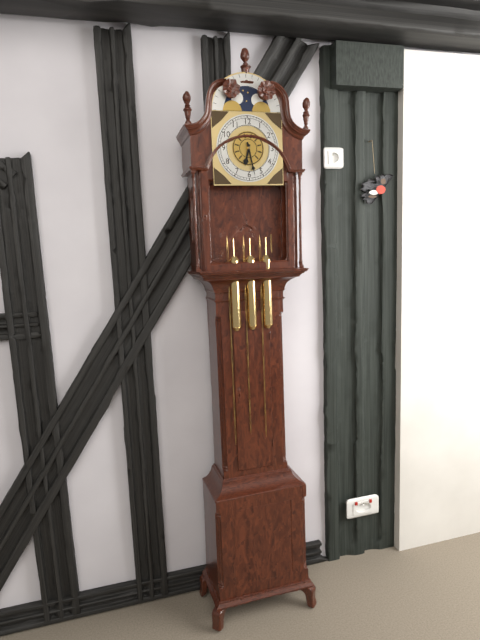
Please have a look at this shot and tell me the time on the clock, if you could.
6:28
